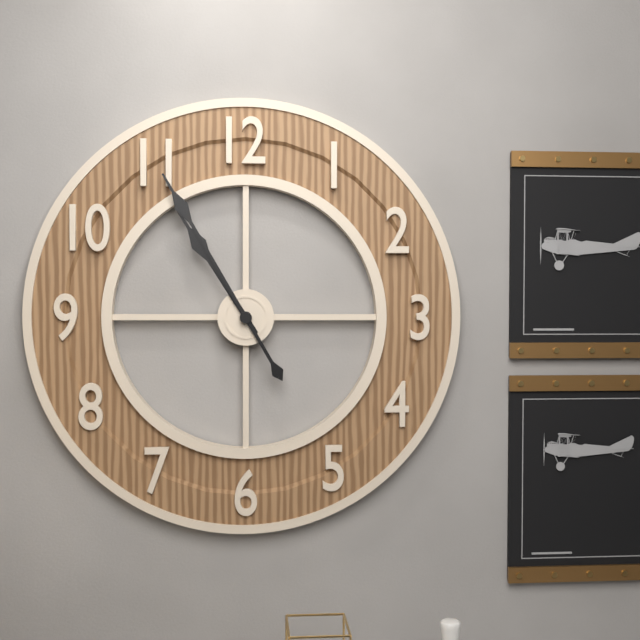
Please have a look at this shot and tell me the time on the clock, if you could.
10:55
